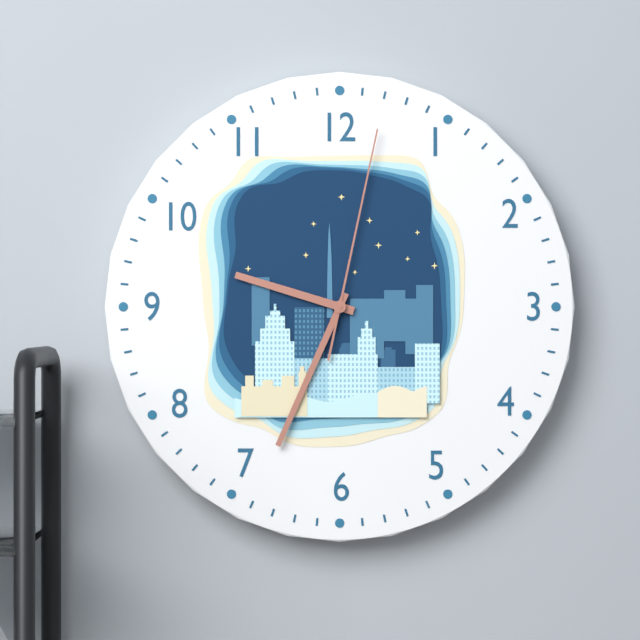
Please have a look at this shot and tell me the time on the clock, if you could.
9:34:02
